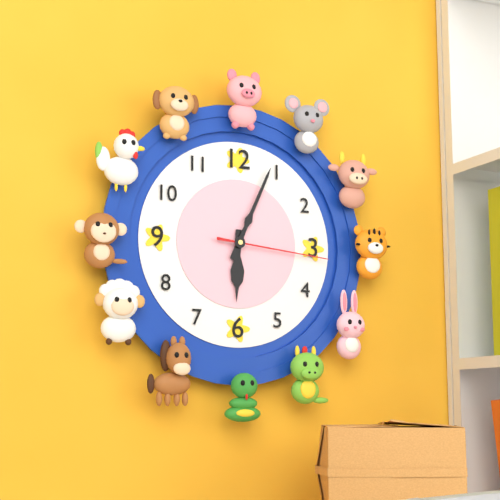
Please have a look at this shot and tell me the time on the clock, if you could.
6:04:16
